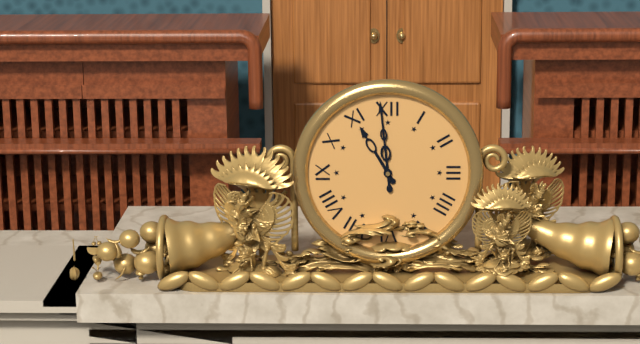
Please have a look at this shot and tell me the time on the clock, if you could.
10:59
